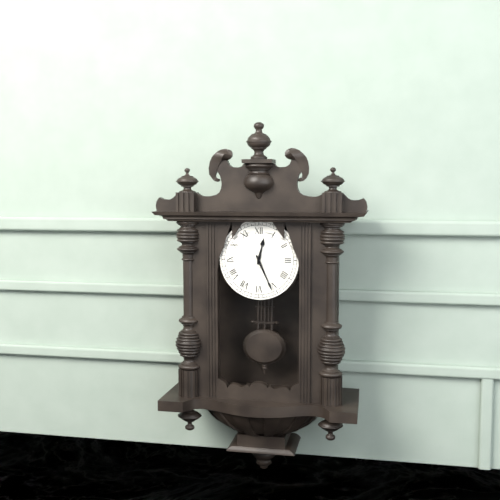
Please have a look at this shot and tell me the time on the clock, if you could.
12:26
